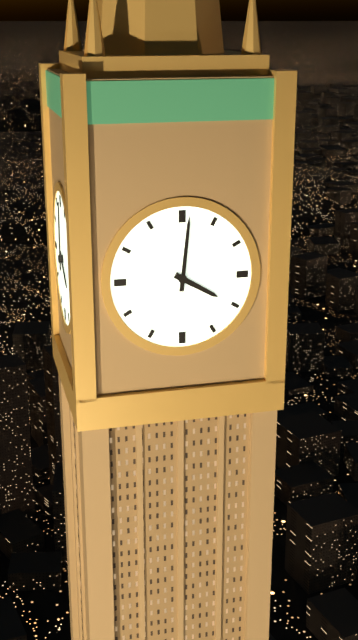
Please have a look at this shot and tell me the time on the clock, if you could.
4:01
